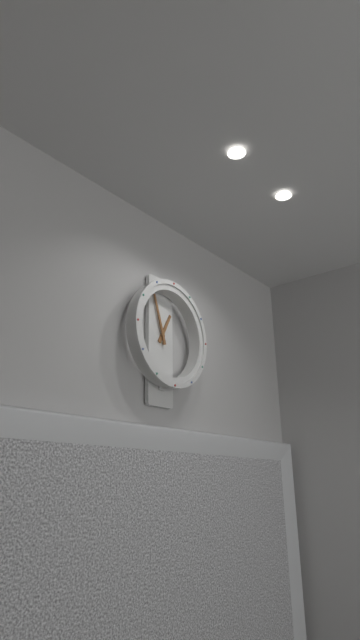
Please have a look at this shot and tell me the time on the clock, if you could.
12:57
